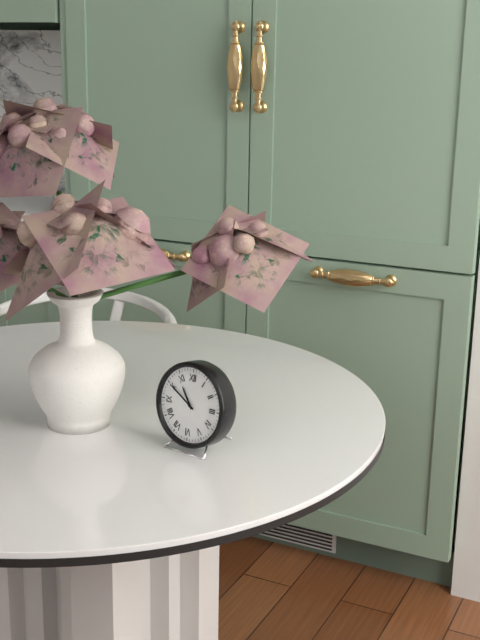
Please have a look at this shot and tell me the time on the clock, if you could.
10:50
